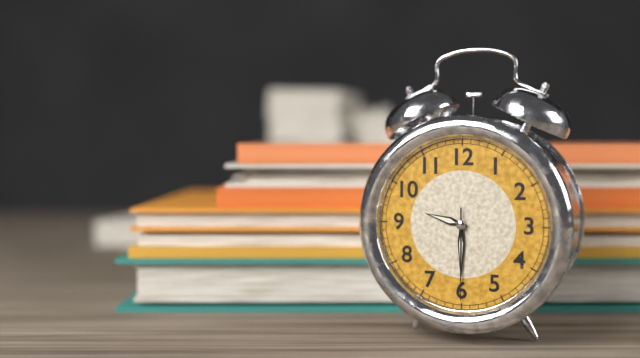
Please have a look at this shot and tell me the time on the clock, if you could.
9:30:30
